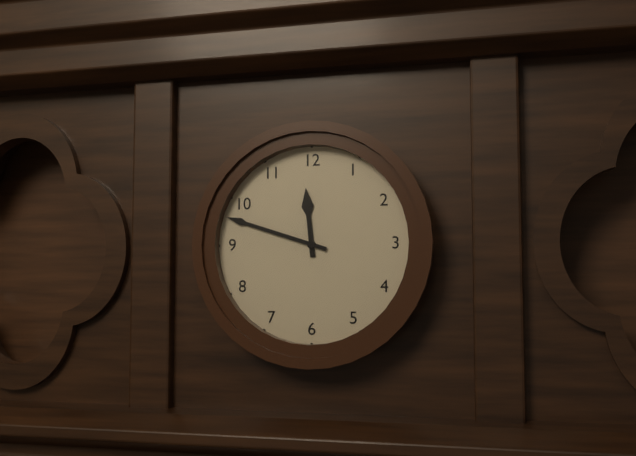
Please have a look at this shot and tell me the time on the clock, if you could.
11:48
